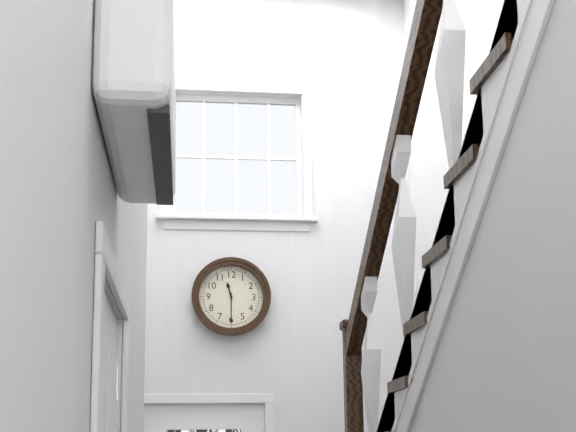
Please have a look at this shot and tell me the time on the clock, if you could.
11:30
